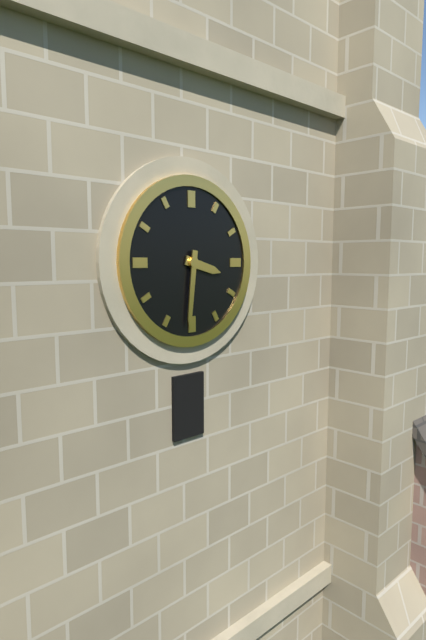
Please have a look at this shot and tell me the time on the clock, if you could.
3:31
